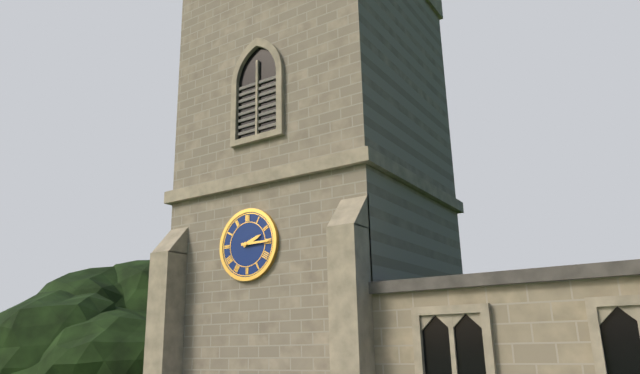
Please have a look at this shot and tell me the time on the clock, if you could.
2:15
